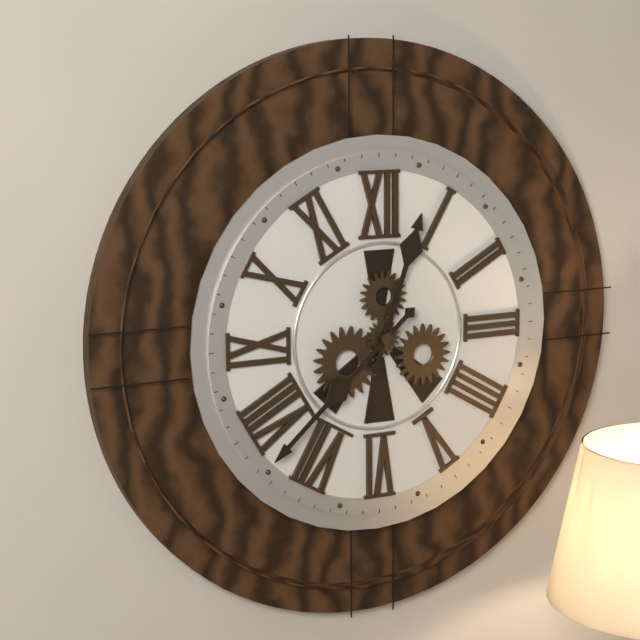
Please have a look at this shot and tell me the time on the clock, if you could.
12:38
